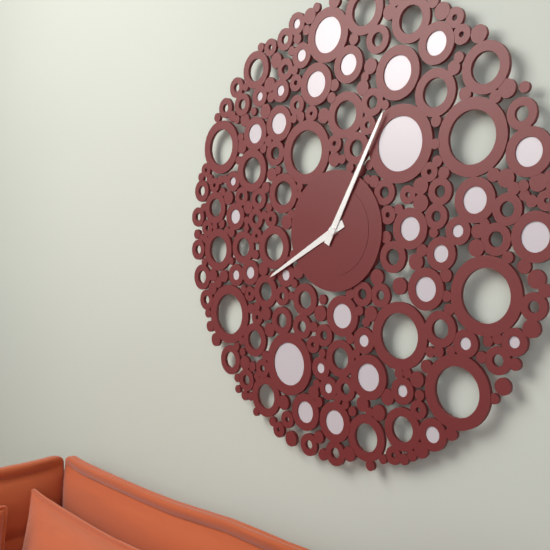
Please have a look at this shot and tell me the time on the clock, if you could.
8:05
